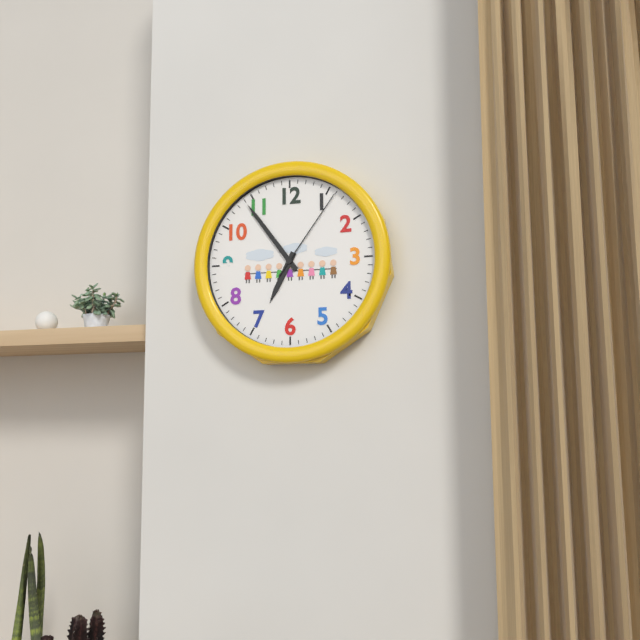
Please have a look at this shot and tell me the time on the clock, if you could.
6:54:06
